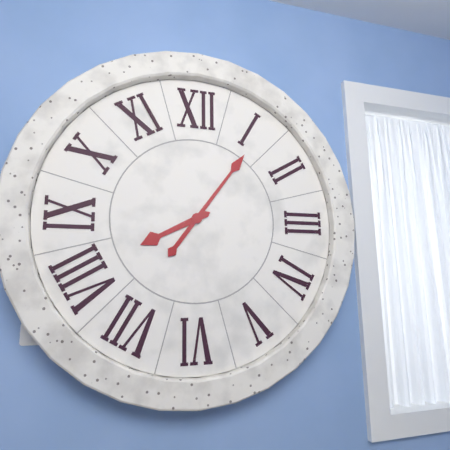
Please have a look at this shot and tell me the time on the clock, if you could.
8:06
